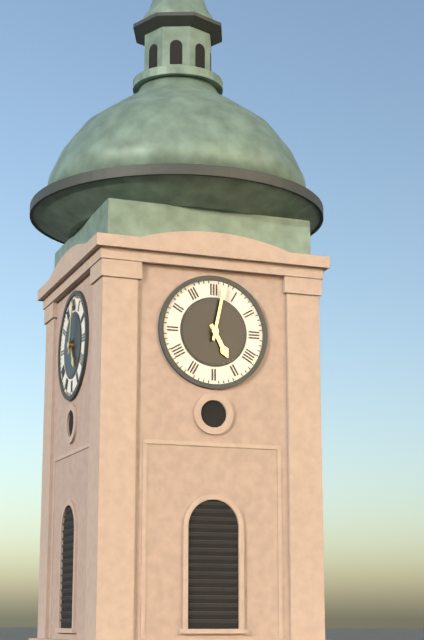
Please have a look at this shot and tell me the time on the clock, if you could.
5:02
